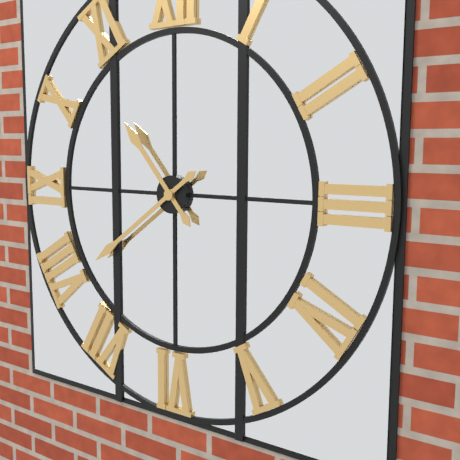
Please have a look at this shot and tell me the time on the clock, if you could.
10:39
